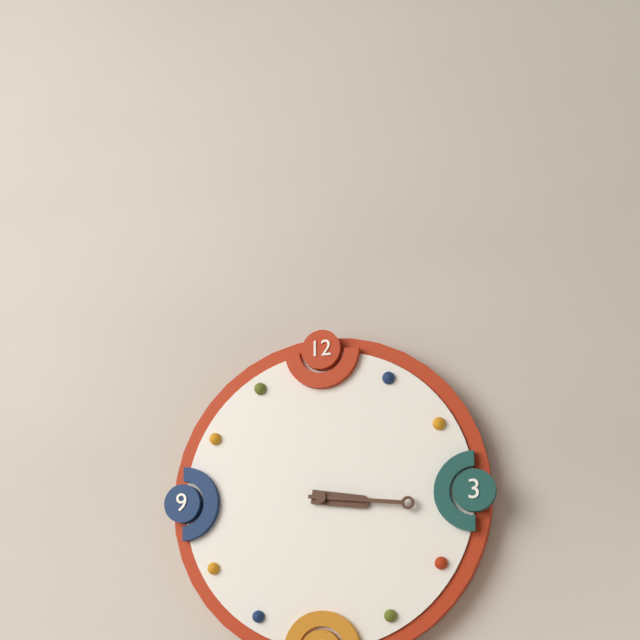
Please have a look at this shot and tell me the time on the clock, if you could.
3:16
